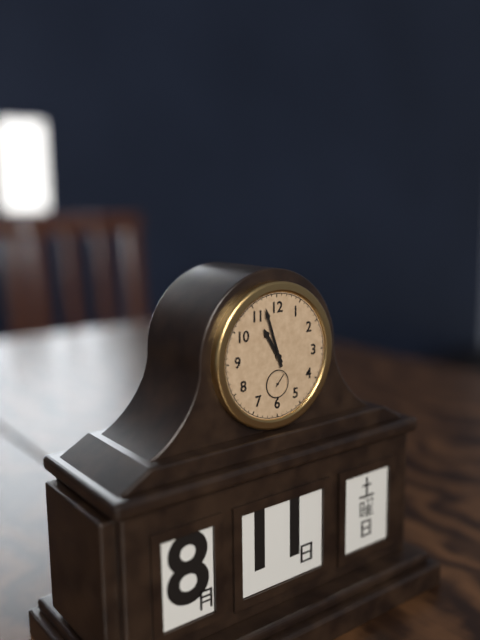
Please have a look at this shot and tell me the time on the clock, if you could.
10:57
